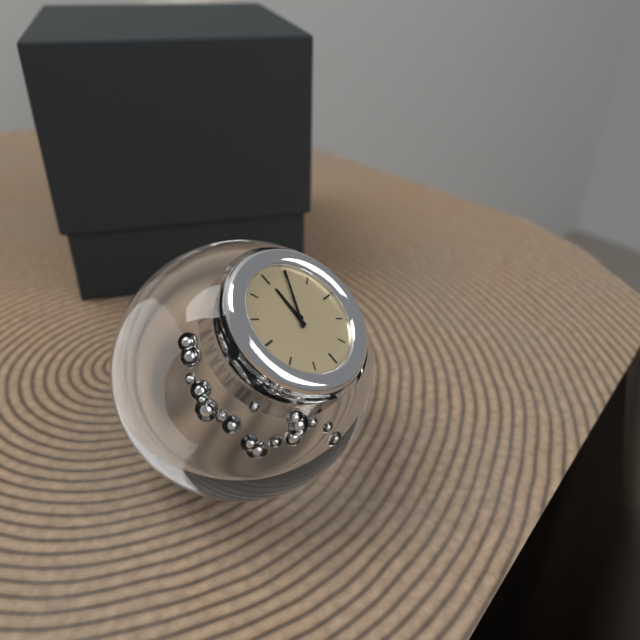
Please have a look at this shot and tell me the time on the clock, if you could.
12:05
